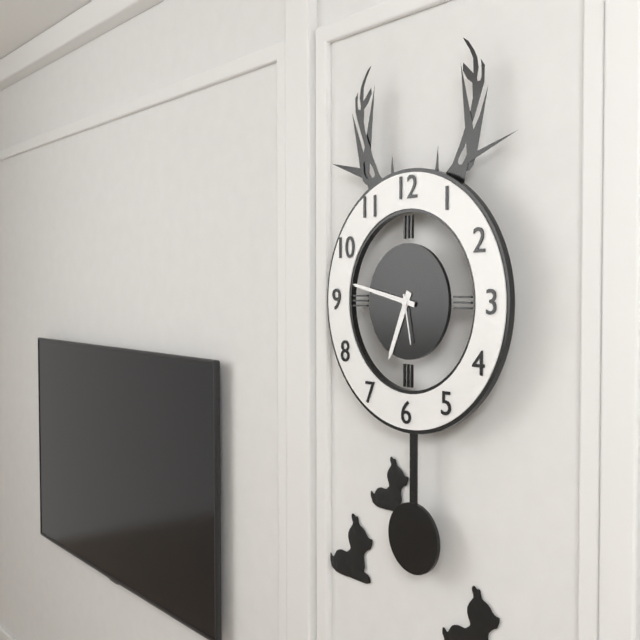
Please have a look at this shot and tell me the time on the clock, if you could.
6:47:28
